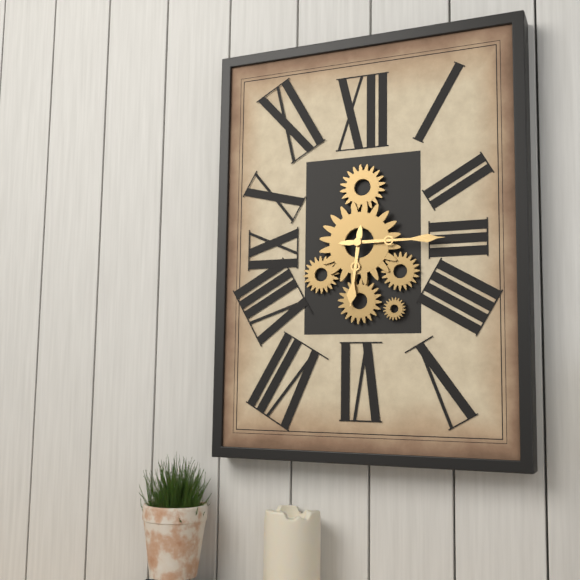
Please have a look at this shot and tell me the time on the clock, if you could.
6:15
